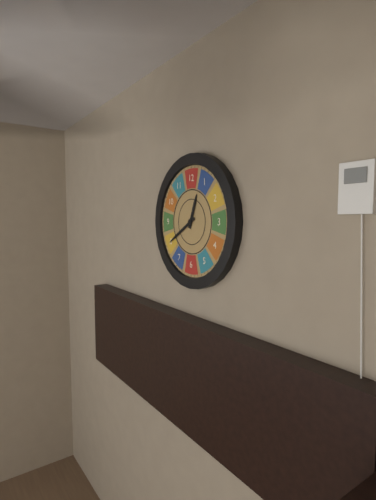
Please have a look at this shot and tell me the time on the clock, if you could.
12:40
